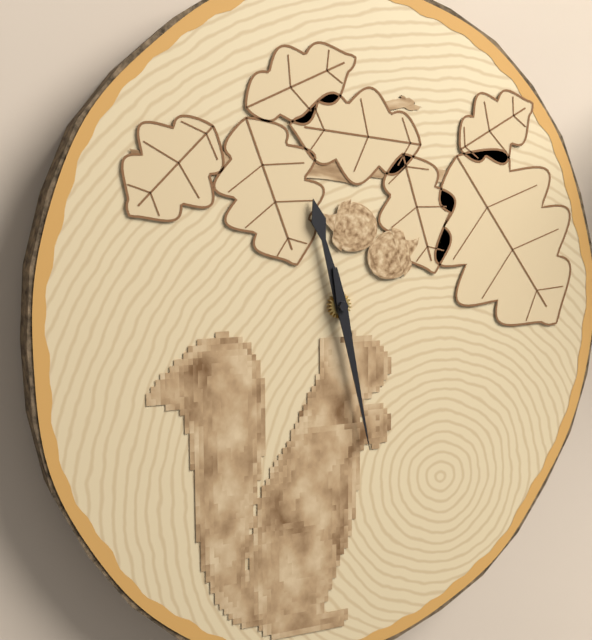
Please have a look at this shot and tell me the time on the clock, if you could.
11:28
